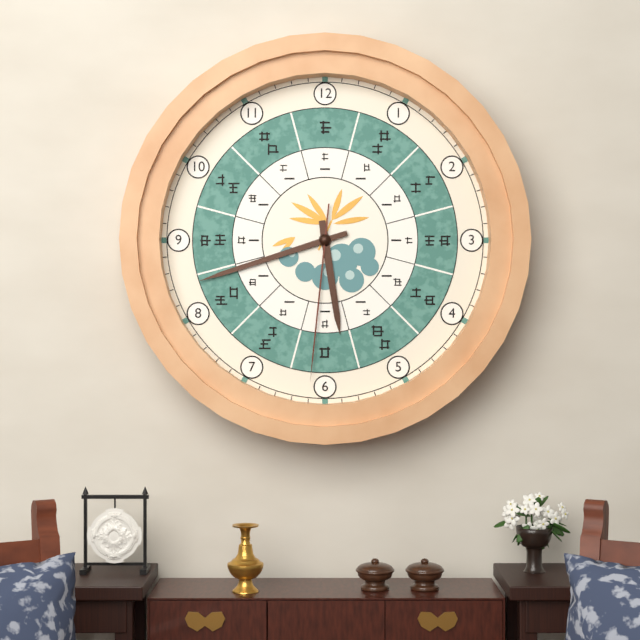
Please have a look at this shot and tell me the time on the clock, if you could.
5:42:31
